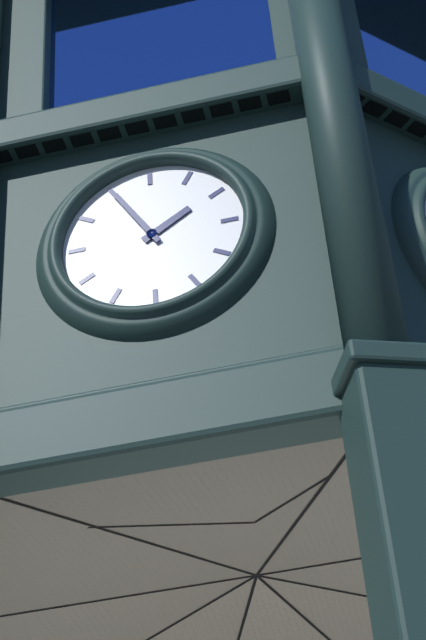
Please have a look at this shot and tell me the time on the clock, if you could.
1:55
